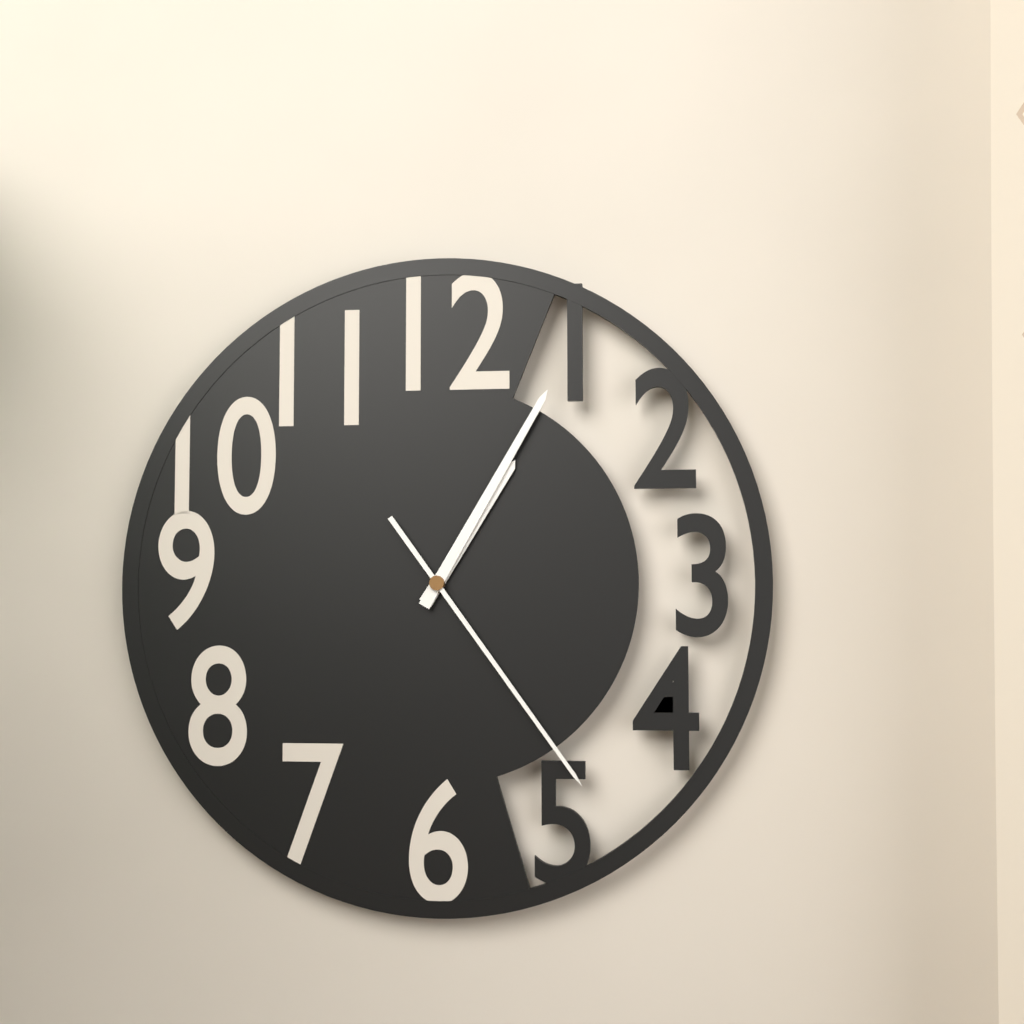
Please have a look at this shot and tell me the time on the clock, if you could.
1:05:24
